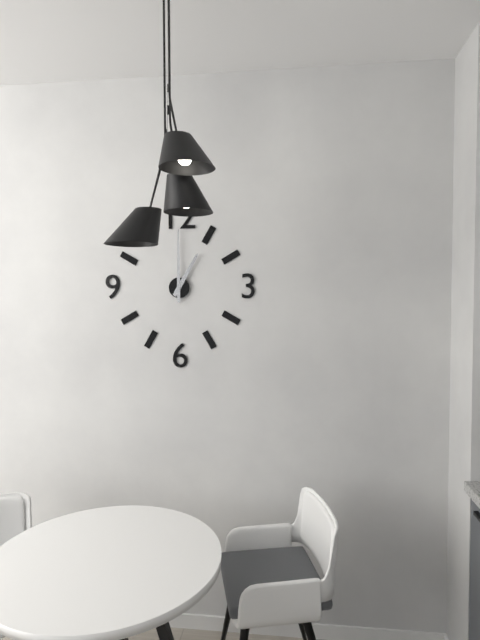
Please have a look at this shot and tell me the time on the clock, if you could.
1:00
